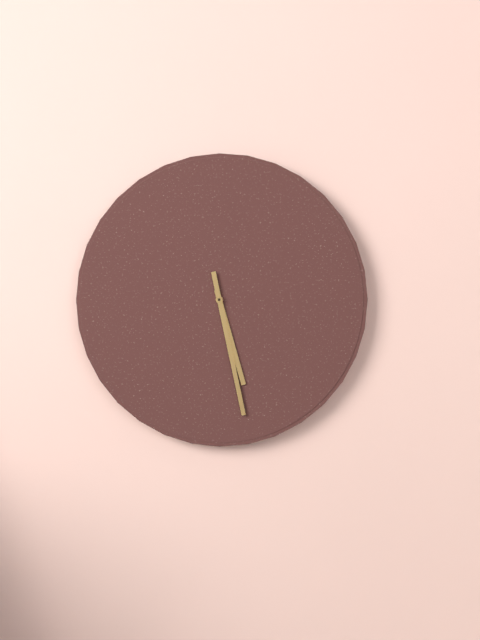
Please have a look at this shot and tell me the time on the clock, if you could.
5:28
